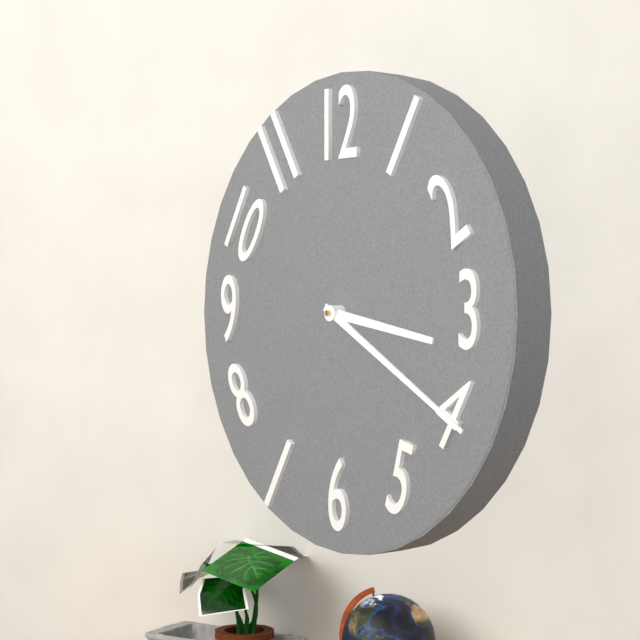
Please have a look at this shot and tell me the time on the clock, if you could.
3:20
